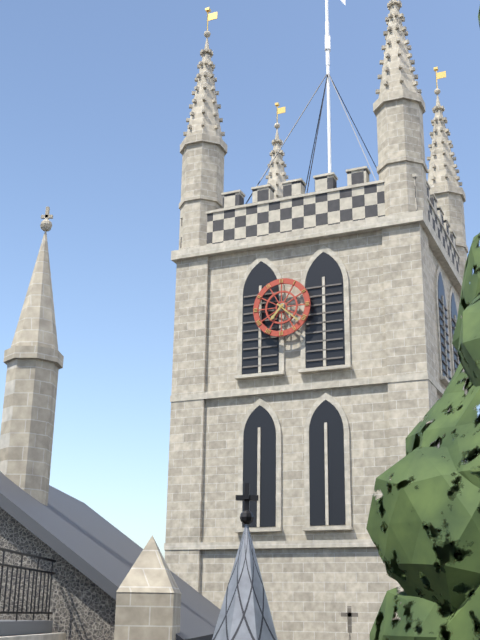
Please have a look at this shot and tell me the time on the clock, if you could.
7:22
